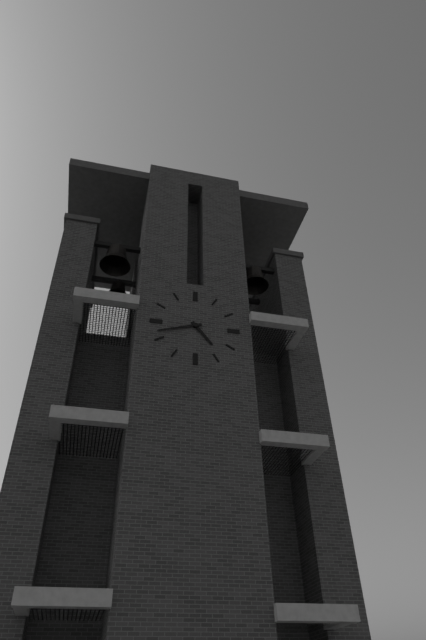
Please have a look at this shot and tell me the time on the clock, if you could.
4:42
